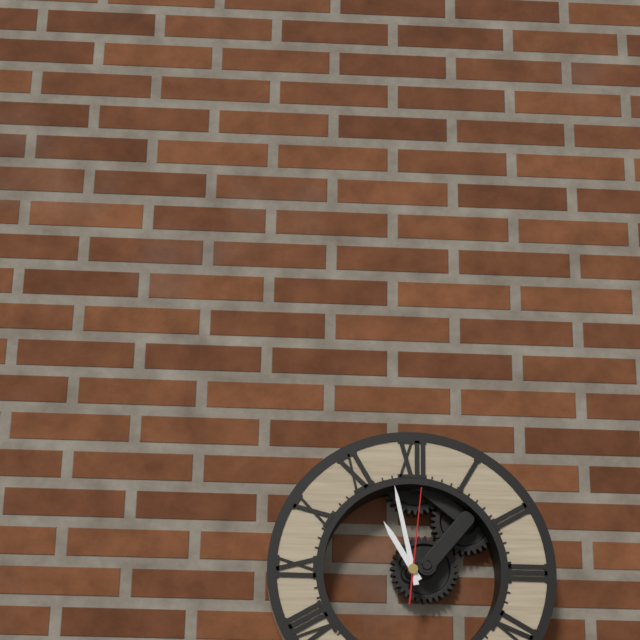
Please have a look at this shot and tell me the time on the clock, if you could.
10:58:01
